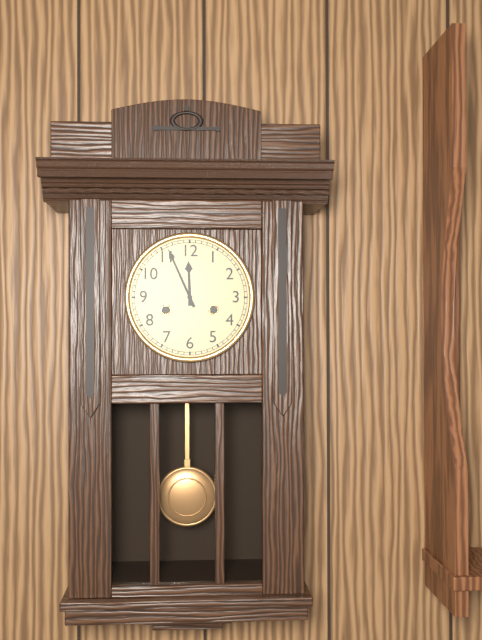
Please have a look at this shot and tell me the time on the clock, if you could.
11:56
